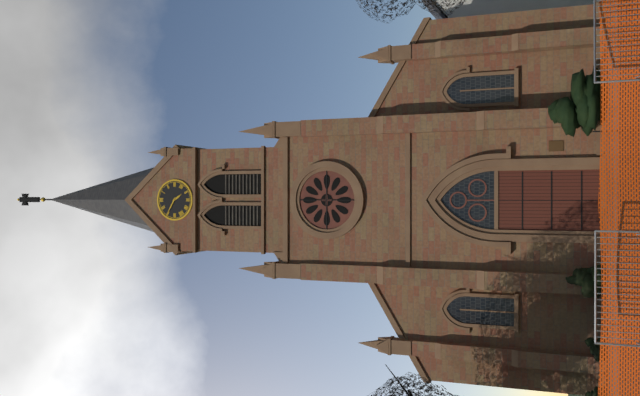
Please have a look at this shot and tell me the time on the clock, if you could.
4:50
